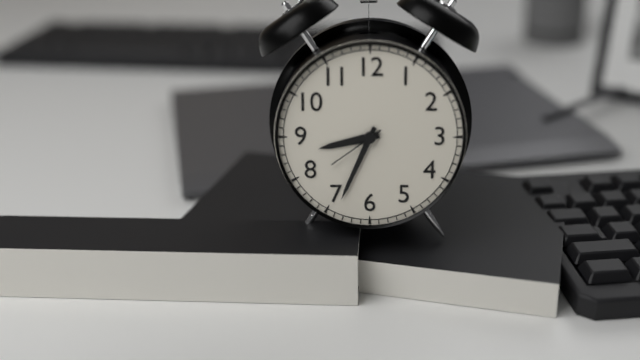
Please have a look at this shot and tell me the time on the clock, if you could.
8:34:39
